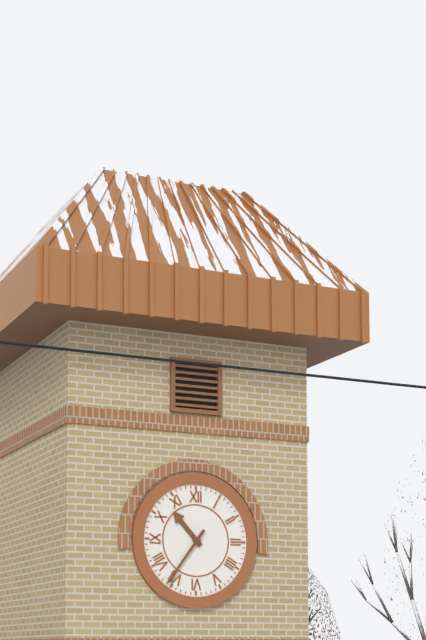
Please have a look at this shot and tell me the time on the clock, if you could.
10:36
